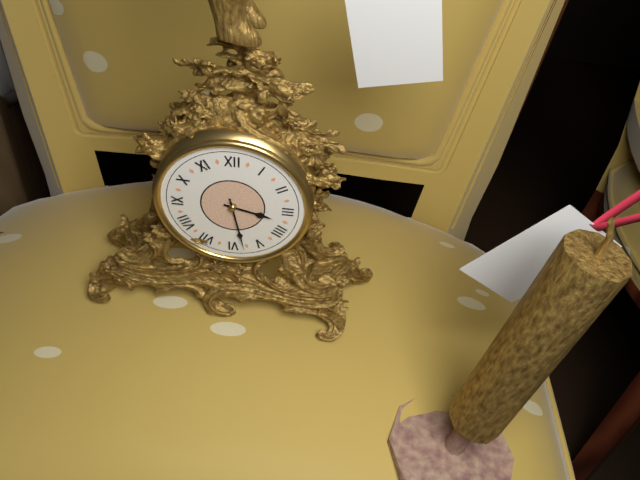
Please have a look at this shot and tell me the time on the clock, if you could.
3:28
